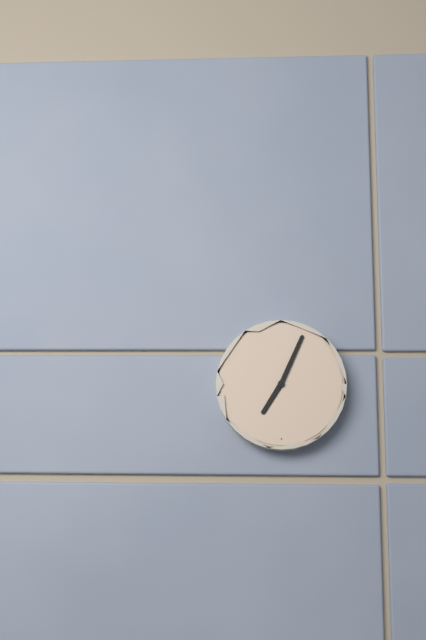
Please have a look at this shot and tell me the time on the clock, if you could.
7:04
